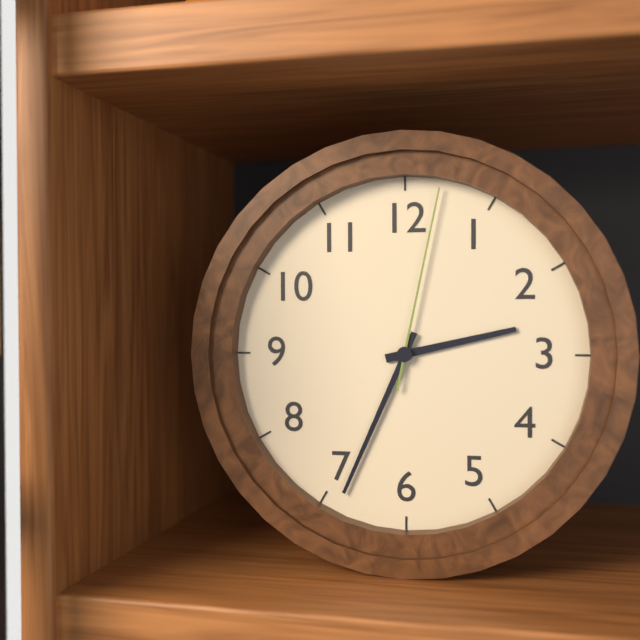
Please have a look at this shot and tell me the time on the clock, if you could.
2:34:02
